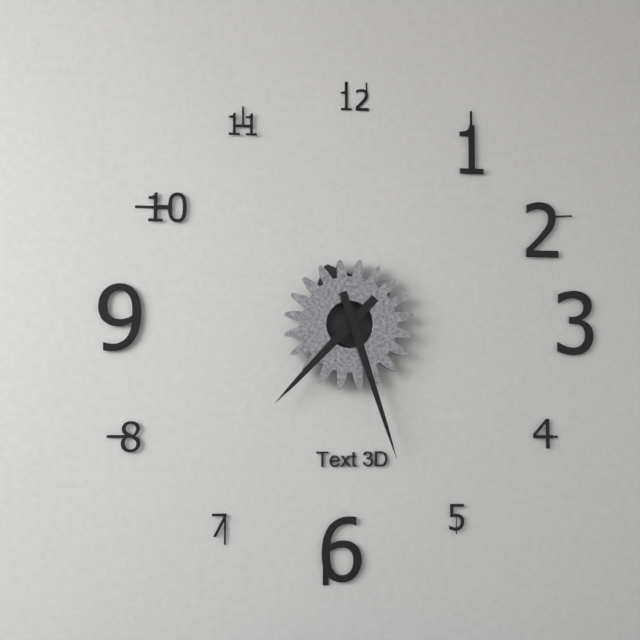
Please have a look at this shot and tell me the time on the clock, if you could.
7:27
